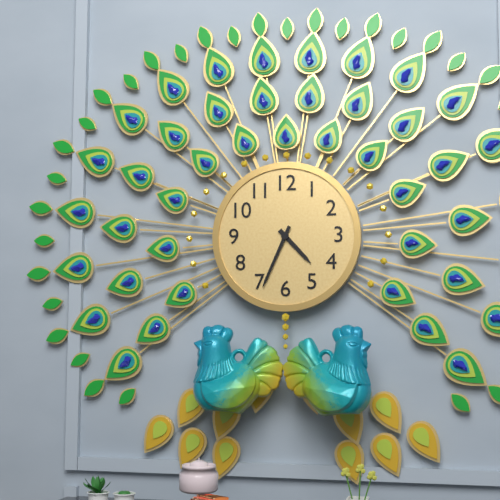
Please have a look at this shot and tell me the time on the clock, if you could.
4:34
